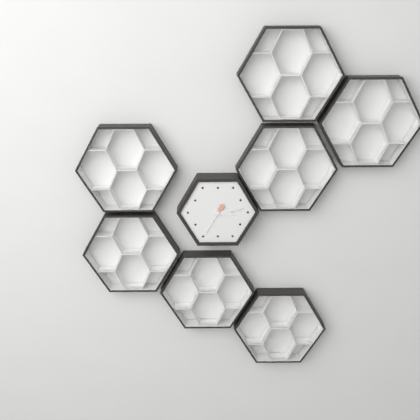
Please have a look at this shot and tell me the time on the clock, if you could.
3:13
